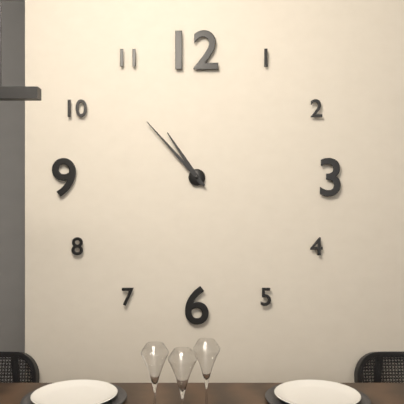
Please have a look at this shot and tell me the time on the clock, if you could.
10:53
